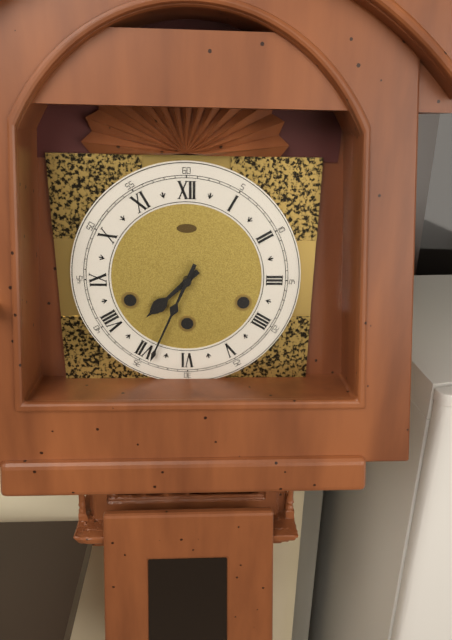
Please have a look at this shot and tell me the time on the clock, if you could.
7:34
